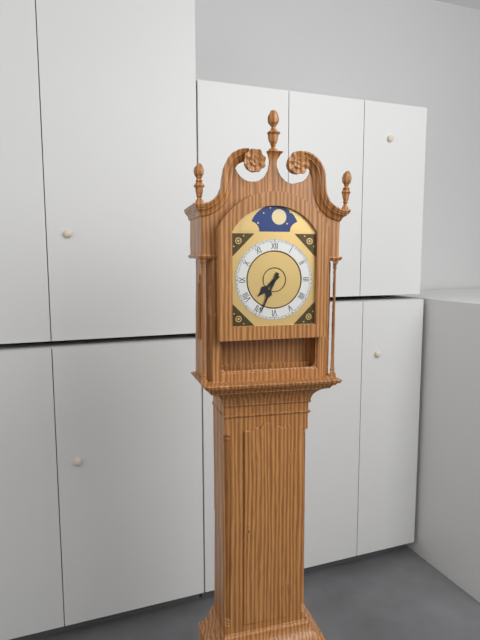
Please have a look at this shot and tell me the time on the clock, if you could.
7:34
